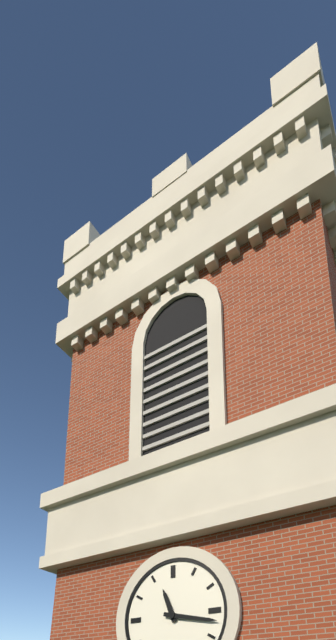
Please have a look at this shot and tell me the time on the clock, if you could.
11:17
